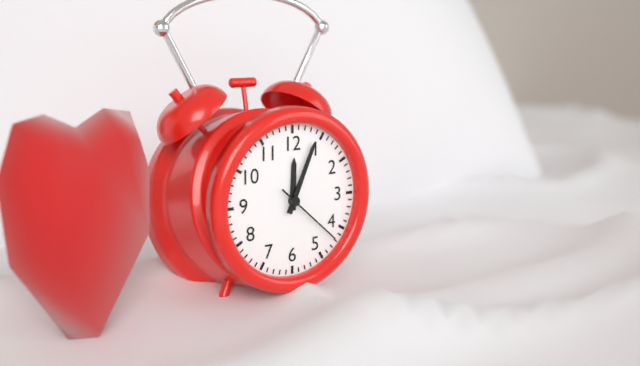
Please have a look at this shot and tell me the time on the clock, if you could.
12:04:22
